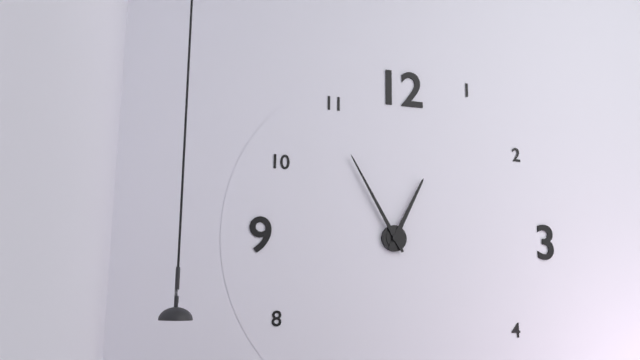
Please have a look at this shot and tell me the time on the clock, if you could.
12:55
